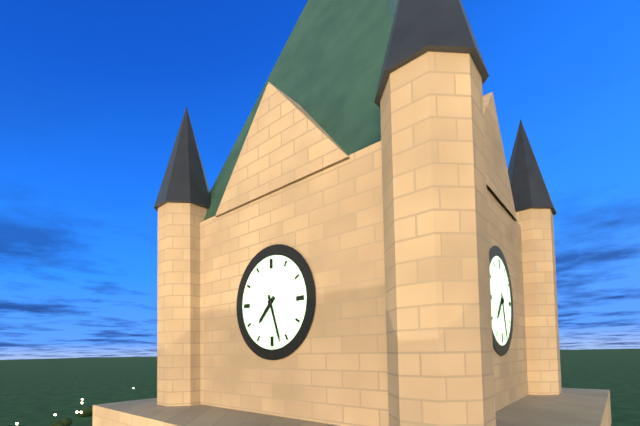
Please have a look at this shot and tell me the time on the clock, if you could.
7:27
